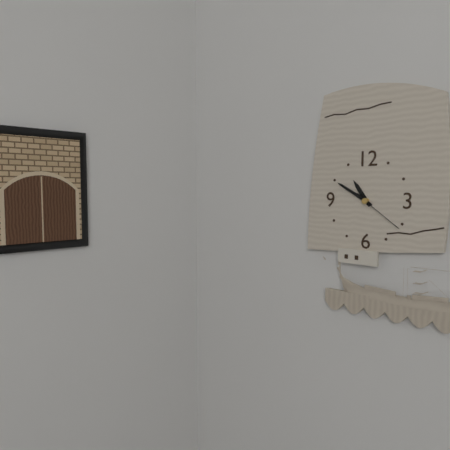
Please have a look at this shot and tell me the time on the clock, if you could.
10:50:21
